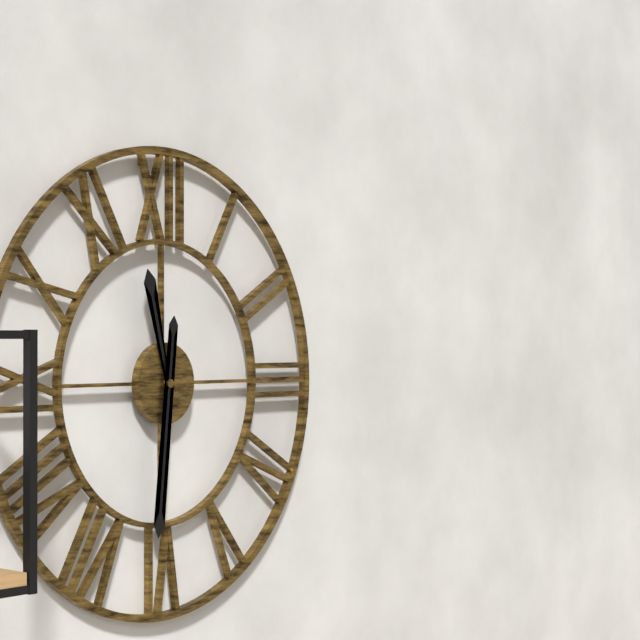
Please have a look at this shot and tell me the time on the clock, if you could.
11:31
